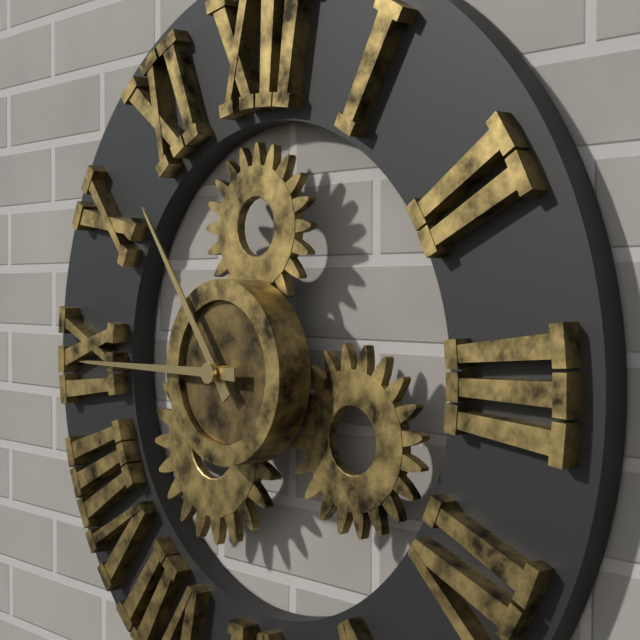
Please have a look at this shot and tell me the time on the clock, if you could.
10:45
